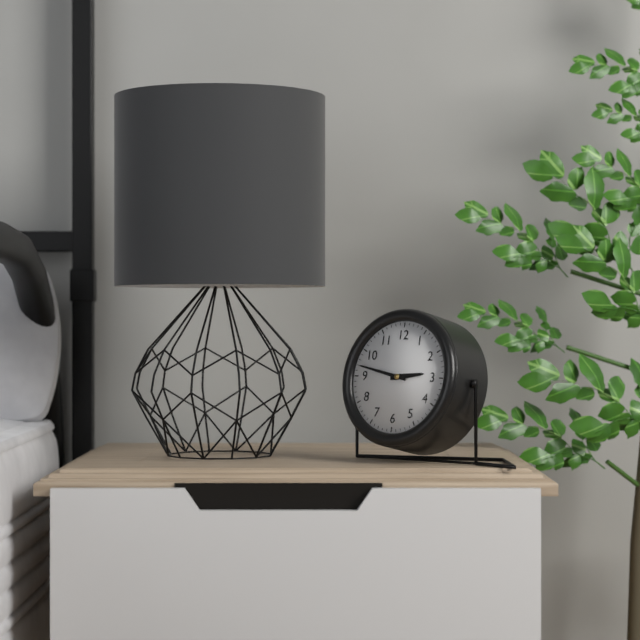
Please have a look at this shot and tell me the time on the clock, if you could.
2:47
